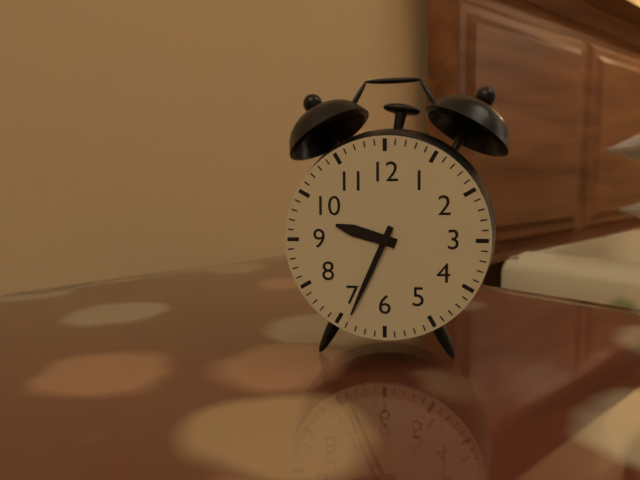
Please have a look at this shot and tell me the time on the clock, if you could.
9:34
